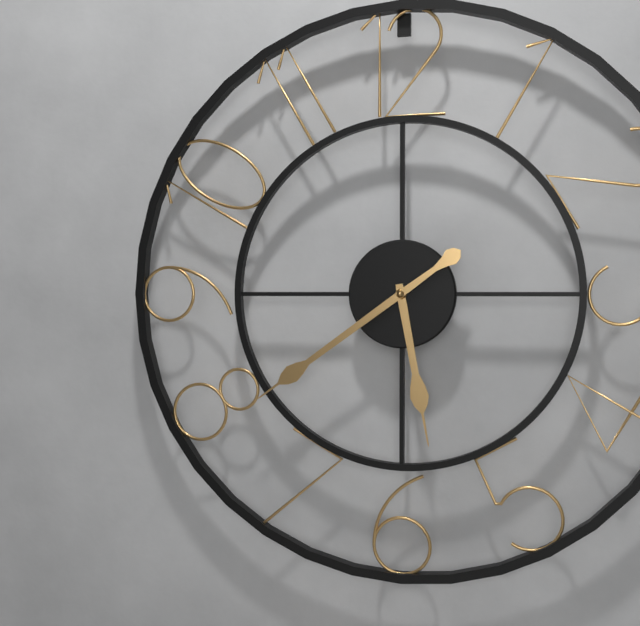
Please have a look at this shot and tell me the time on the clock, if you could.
5:39
